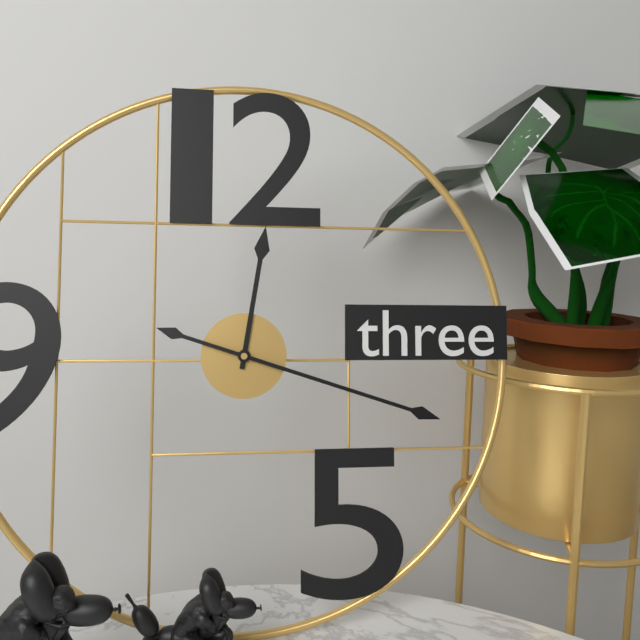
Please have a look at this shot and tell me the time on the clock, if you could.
12:18
